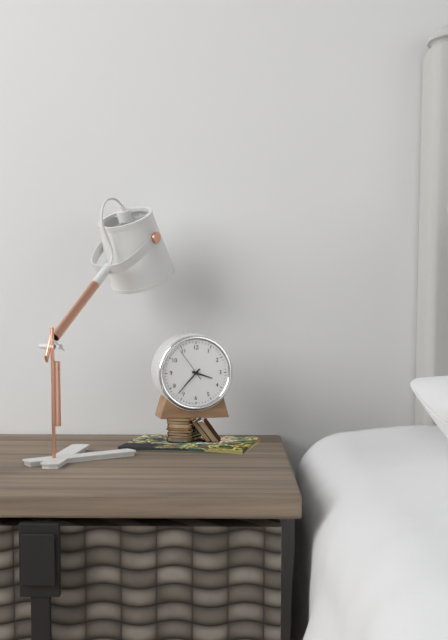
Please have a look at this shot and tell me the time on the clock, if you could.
3:37
